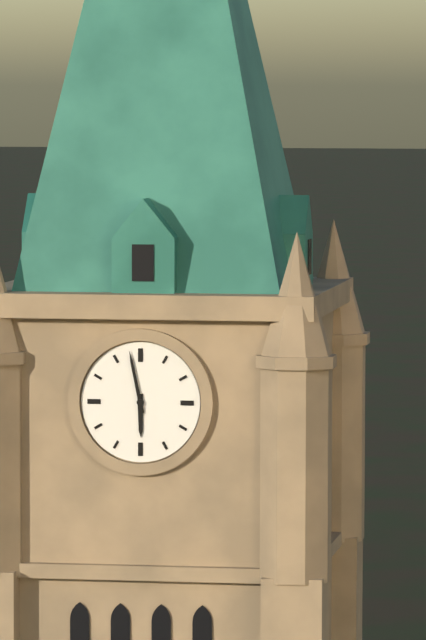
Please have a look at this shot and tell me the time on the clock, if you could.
5:58
